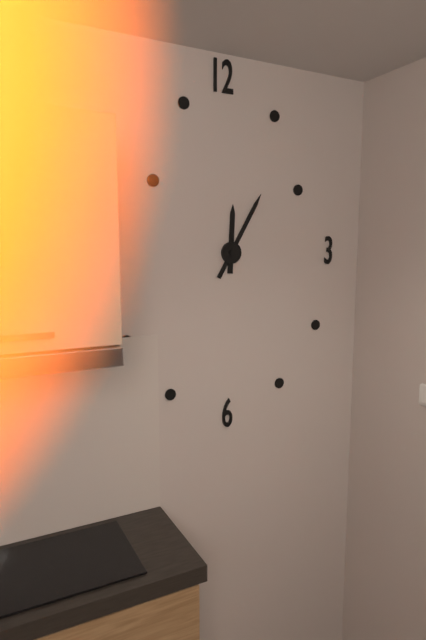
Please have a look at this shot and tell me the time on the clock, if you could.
12:05
